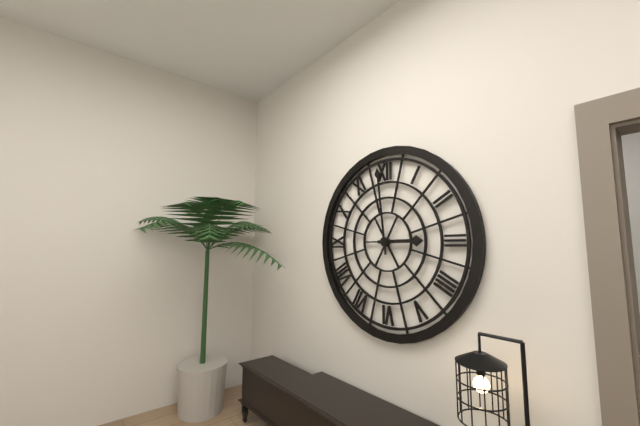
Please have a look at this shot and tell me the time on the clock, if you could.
2:59
